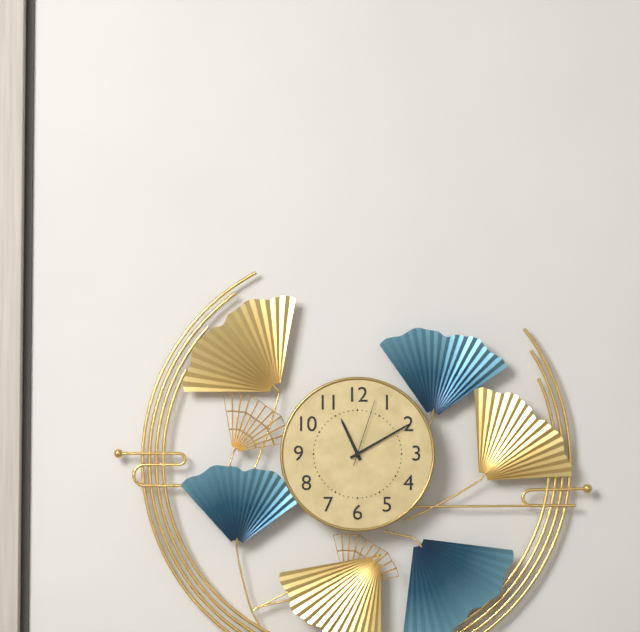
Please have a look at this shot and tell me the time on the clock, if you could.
11:10:03
